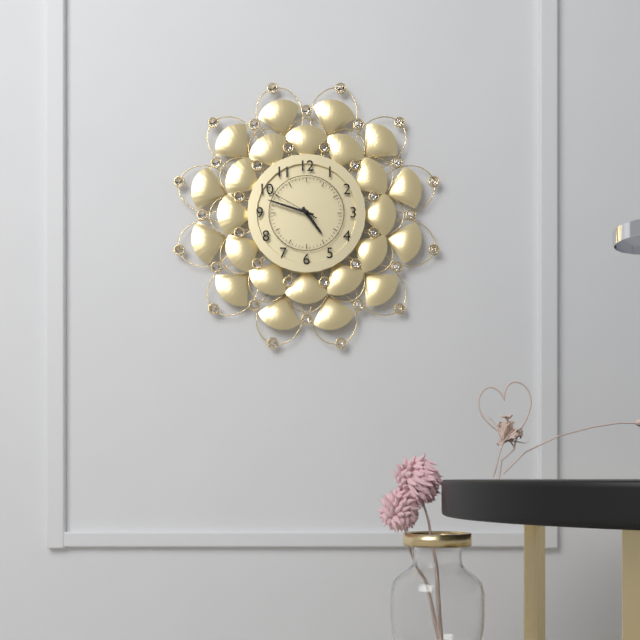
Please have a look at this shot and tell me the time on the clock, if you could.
4:48:50
